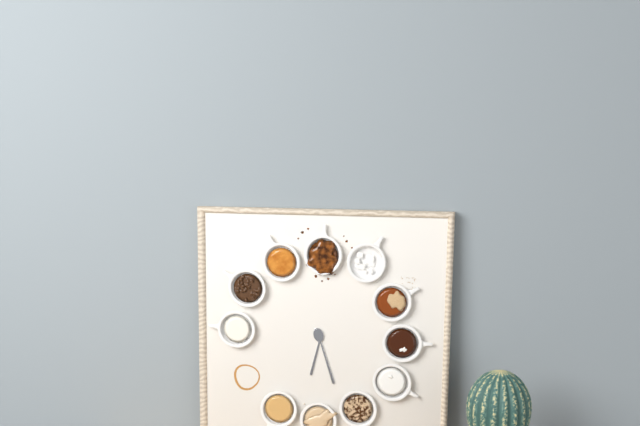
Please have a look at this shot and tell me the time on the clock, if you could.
6:27
